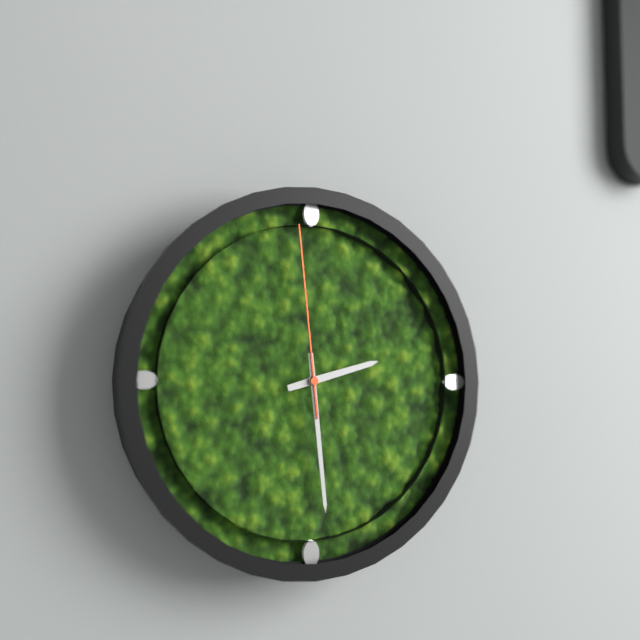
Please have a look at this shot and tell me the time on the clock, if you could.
2:29:59
